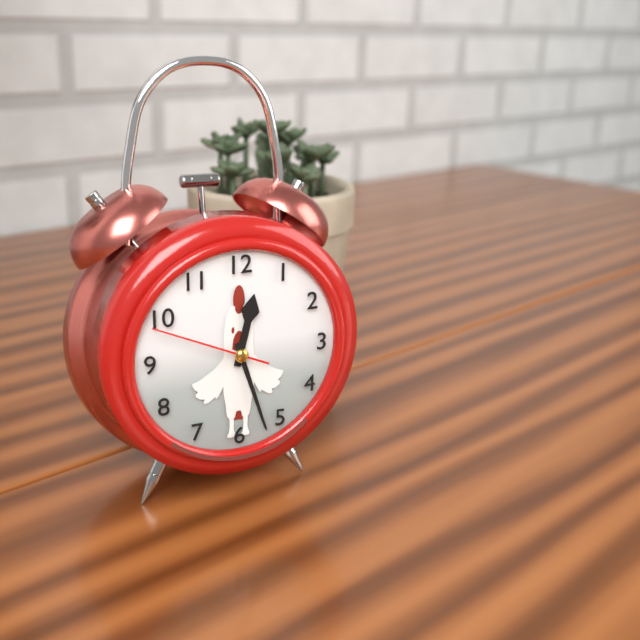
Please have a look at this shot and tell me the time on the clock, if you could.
12:27:49
